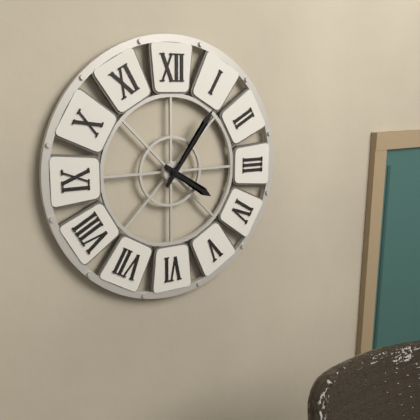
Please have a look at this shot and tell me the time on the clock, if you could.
4:06
